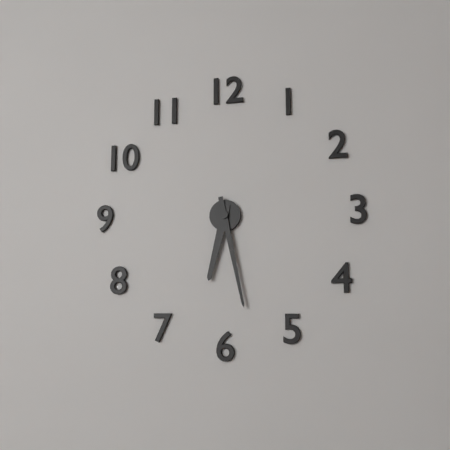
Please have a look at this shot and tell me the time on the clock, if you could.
6:28
